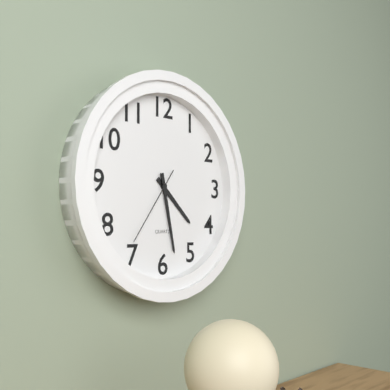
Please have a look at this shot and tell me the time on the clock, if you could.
4:28:36
